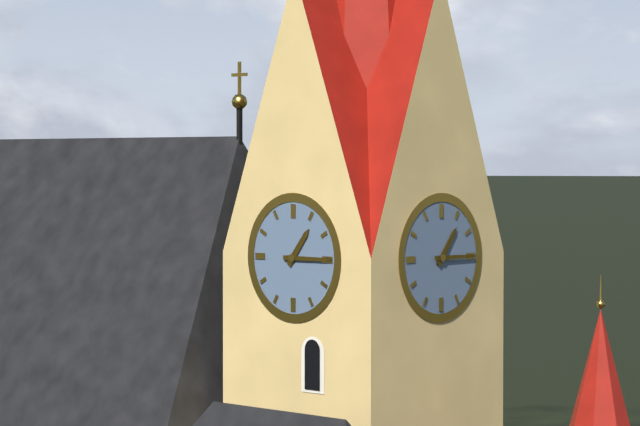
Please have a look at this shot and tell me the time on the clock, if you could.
1:15
